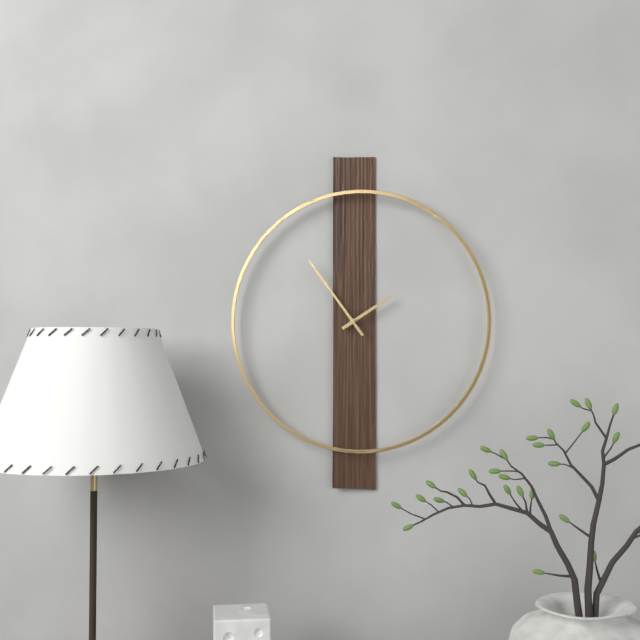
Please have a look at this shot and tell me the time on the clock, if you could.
1:54
